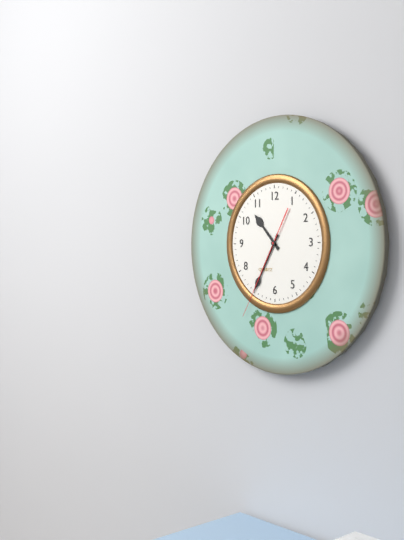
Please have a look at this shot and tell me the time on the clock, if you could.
10:35:35
